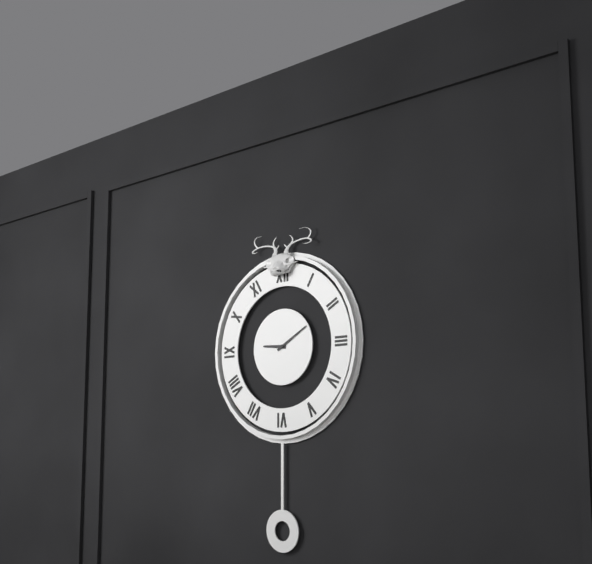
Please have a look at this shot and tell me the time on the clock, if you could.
9:10
